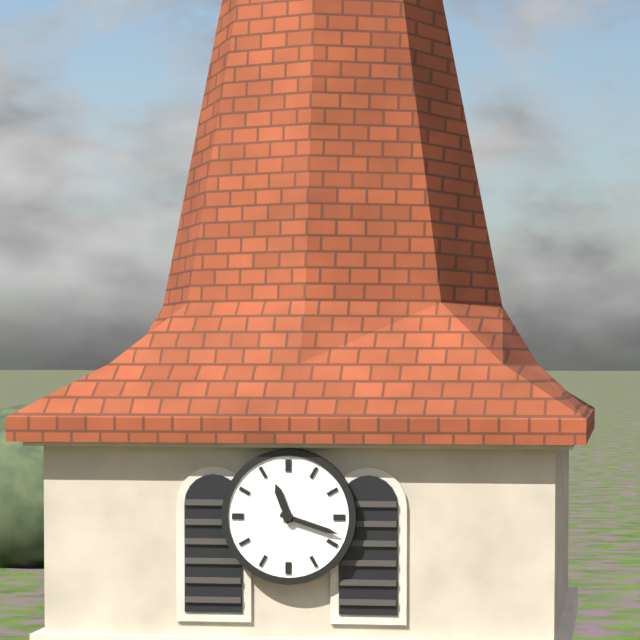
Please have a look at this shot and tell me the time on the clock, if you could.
11:18
